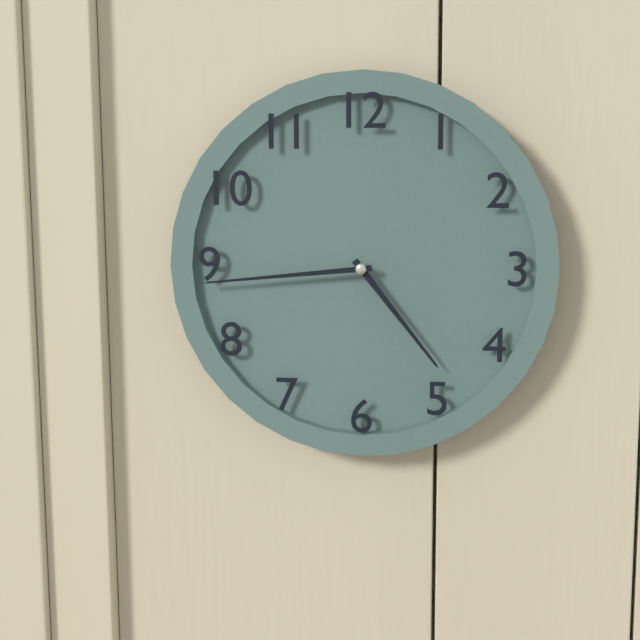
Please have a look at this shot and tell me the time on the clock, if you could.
4:44
